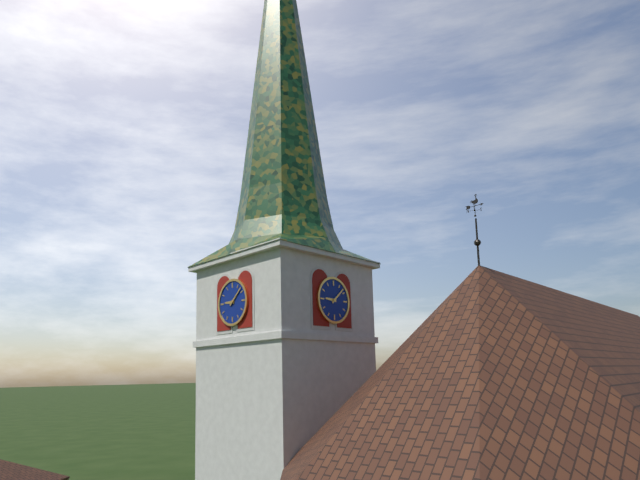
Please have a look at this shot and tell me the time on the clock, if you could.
9:08
